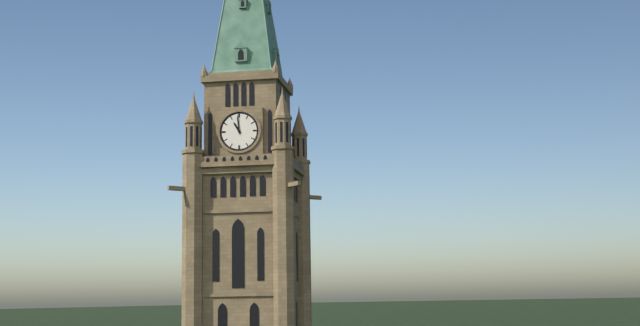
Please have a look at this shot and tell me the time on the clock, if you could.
10:59
